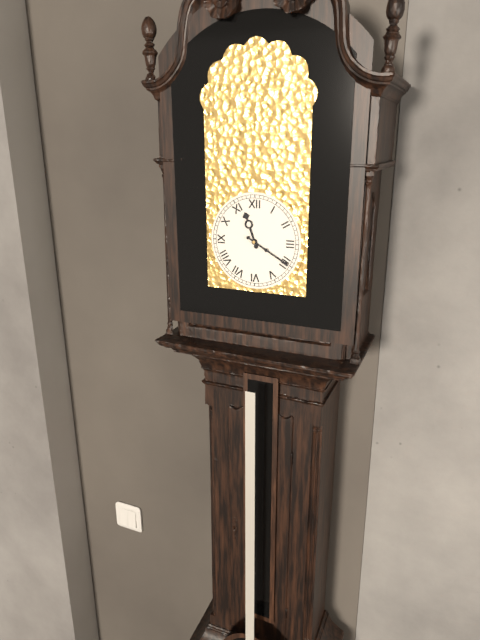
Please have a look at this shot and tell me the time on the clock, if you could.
11:20
